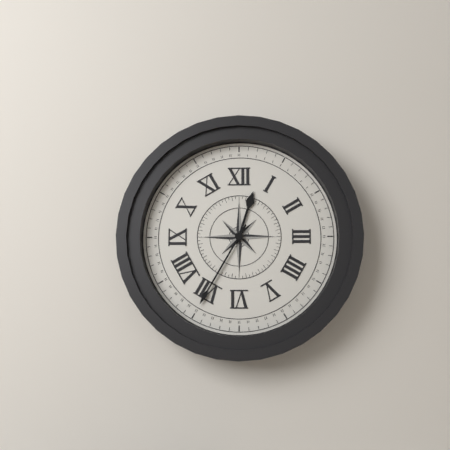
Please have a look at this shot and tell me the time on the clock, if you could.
12:35
